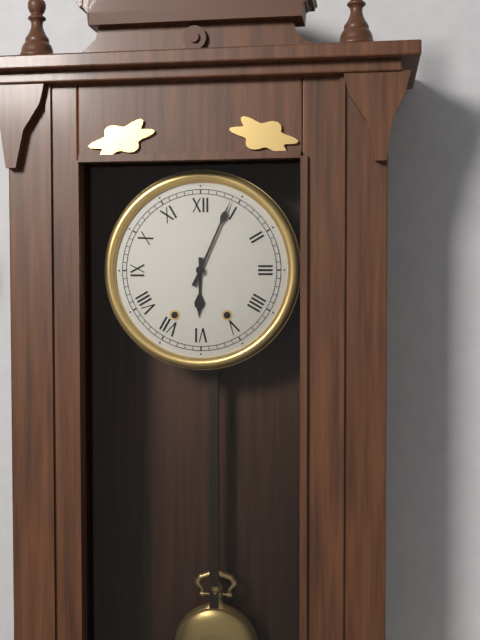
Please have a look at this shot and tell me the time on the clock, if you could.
6:04
